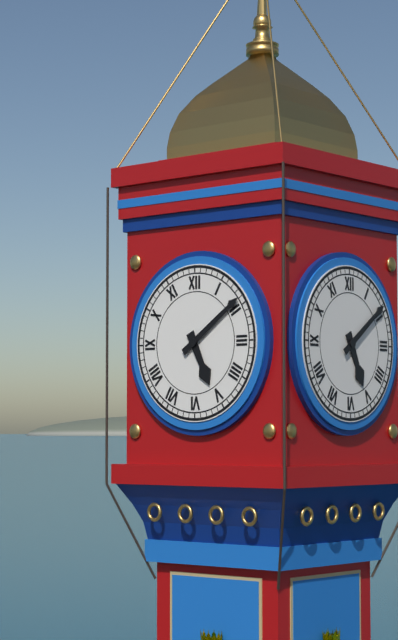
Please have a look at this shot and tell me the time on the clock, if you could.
5:09
